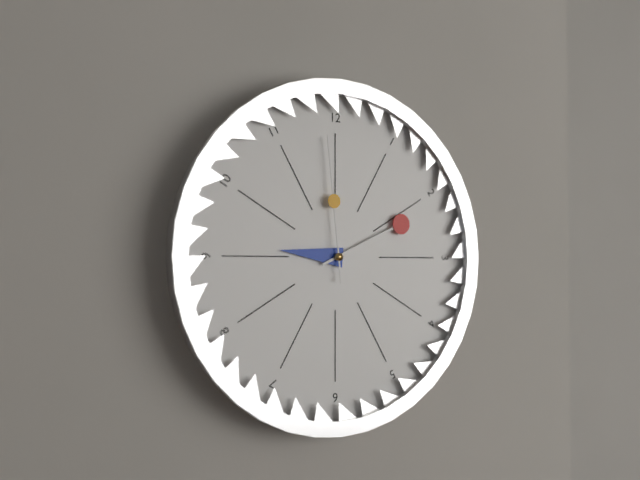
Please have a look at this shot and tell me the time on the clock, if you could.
9:11:59
